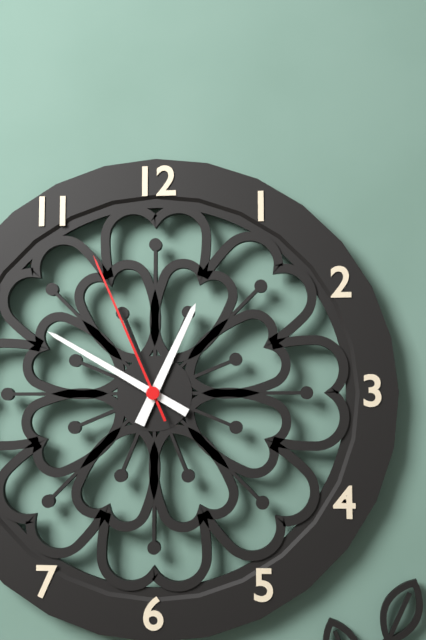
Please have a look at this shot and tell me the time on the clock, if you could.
12:50:56
